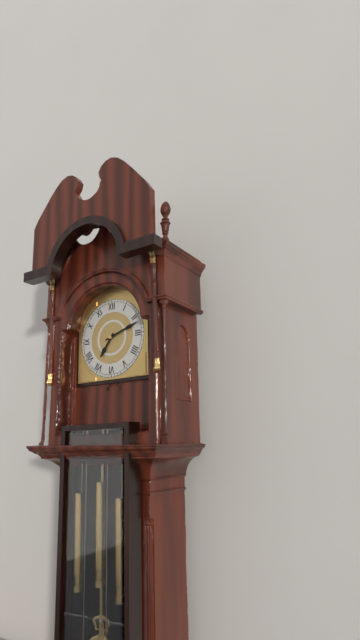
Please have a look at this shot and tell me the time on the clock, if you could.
7:12
